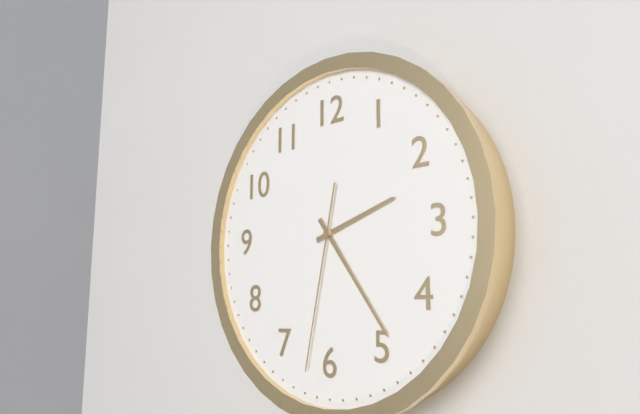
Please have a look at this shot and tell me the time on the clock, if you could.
2:24:32
